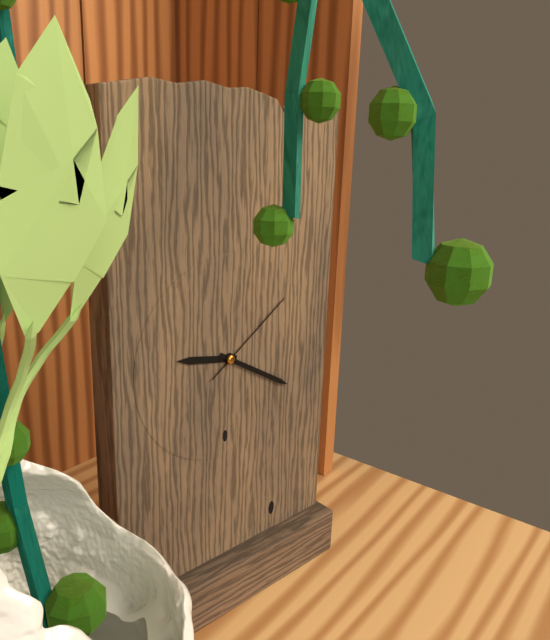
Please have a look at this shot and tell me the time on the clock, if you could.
9:20:09
